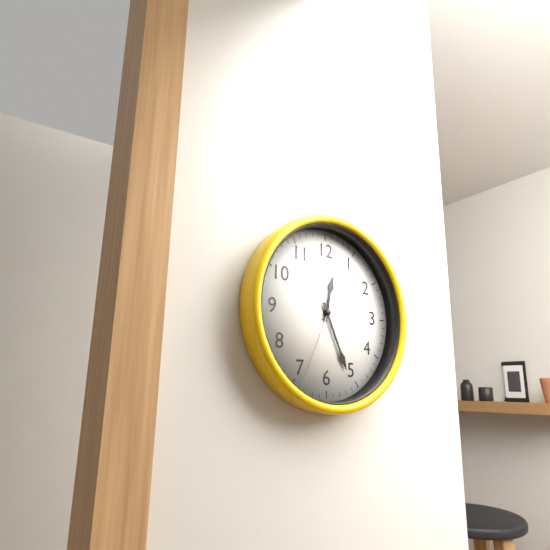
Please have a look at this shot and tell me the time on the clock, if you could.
12:26:34
